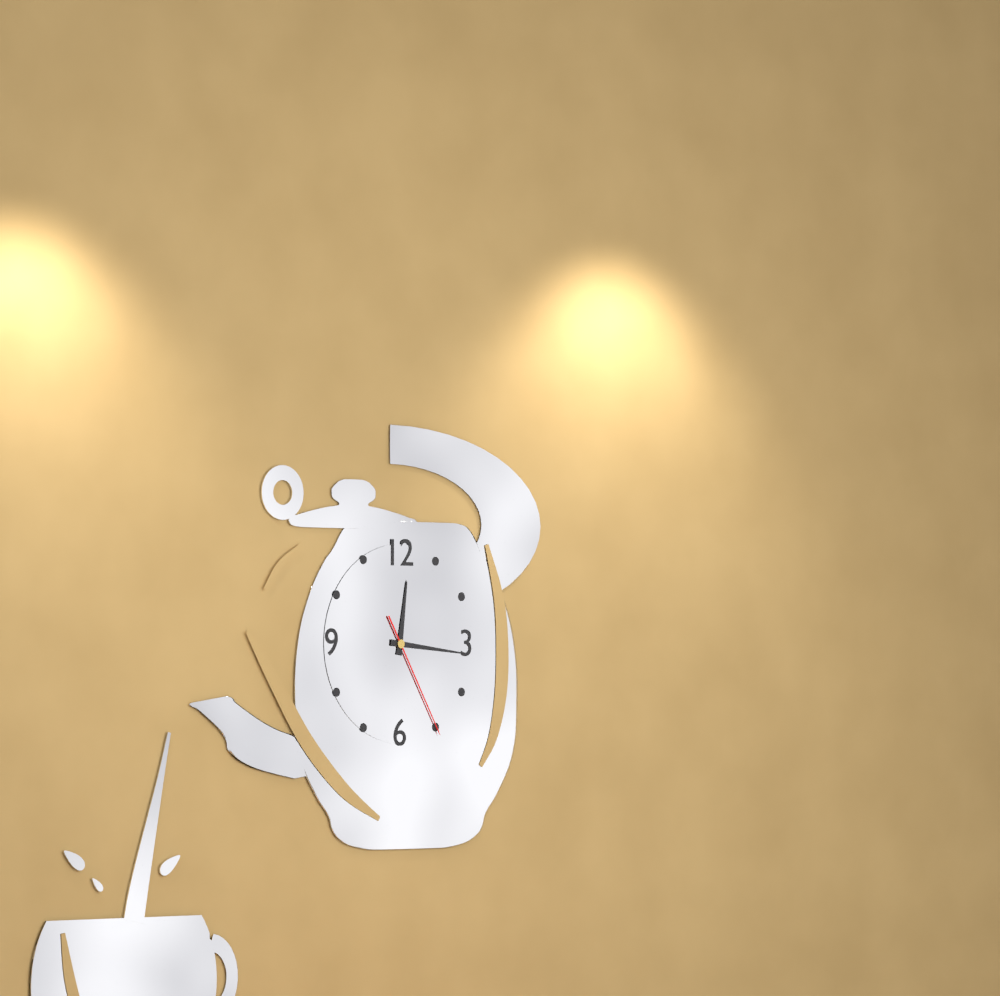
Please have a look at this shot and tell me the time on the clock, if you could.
12:16:25
